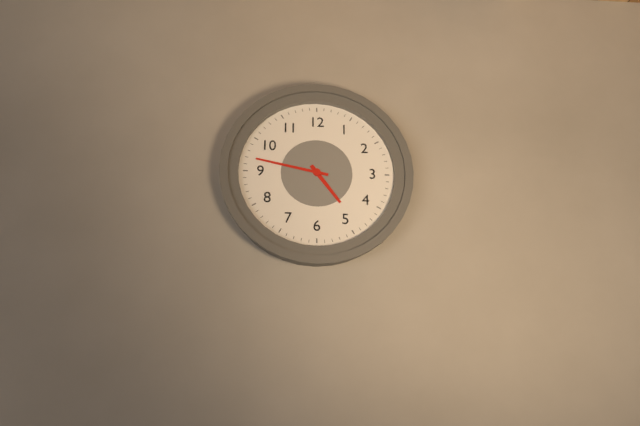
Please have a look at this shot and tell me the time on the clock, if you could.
4:47
